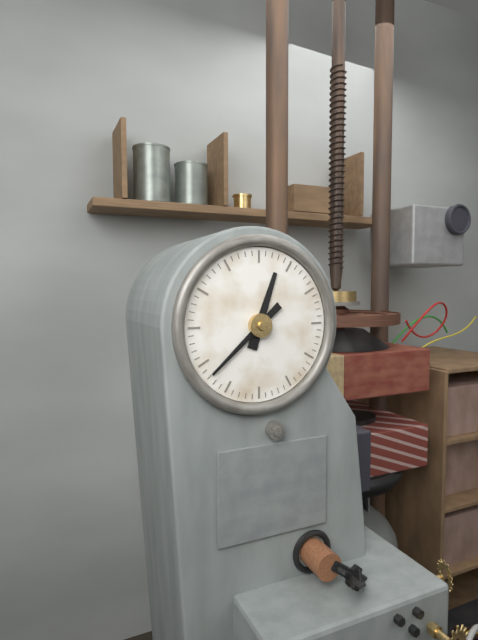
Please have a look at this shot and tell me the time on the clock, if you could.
12:38
